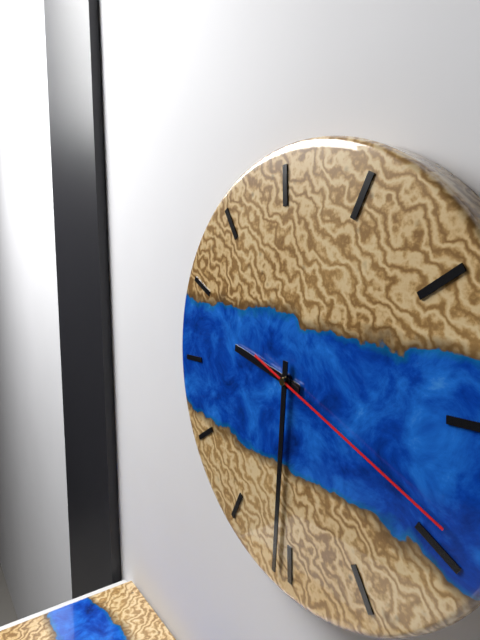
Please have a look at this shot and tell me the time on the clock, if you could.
9:31:19
